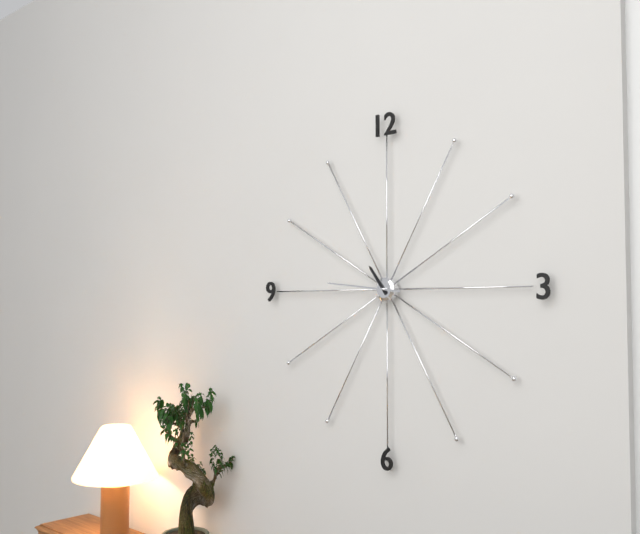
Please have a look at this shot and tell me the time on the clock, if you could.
10:46
